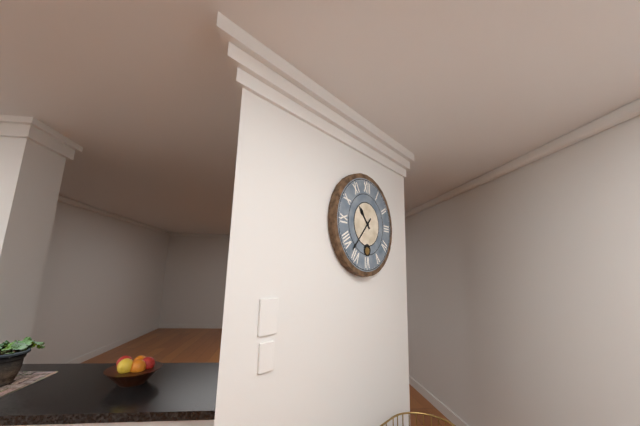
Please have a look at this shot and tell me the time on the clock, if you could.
10:37
